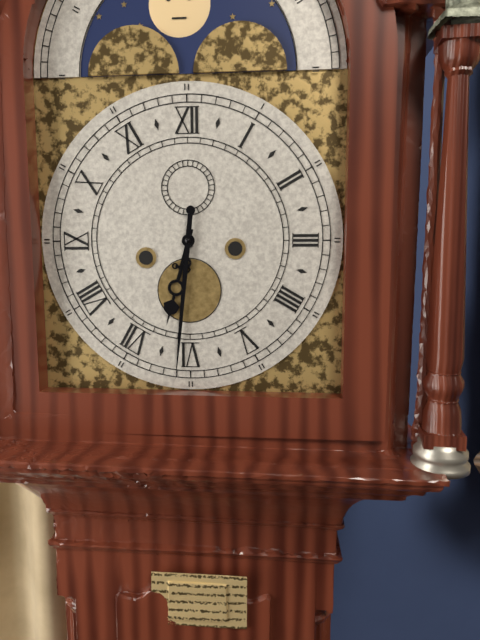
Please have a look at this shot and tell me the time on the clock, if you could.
6:31
